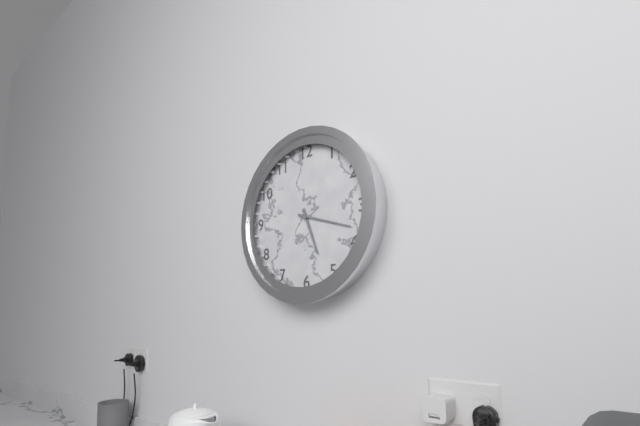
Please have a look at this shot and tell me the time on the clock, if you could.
5:18
